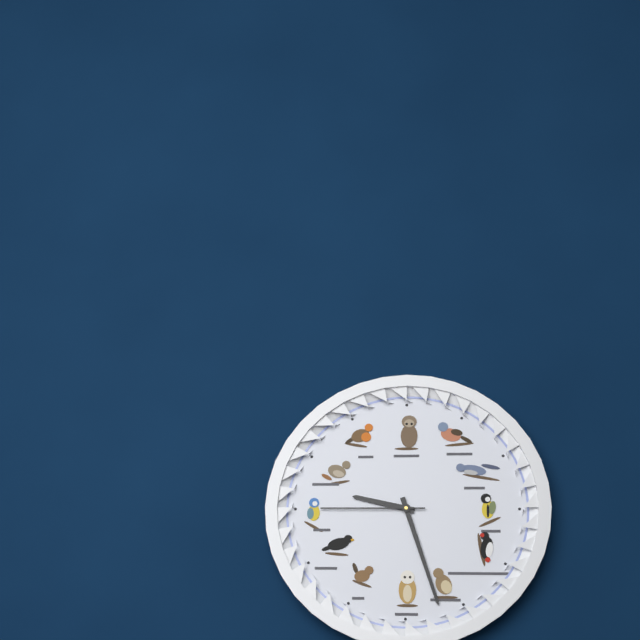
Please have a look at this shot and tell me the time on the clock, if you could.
9:27:45
